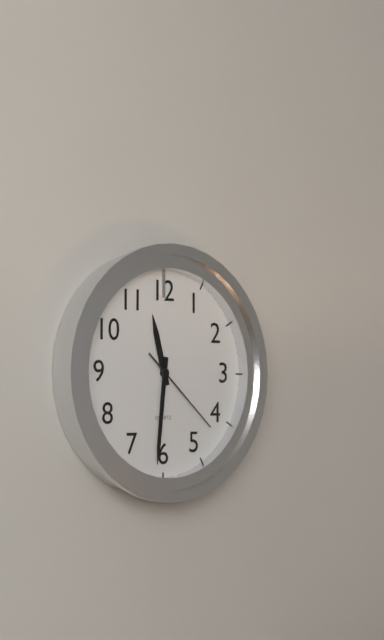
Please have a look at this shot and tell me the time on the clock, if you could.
11:31:22
